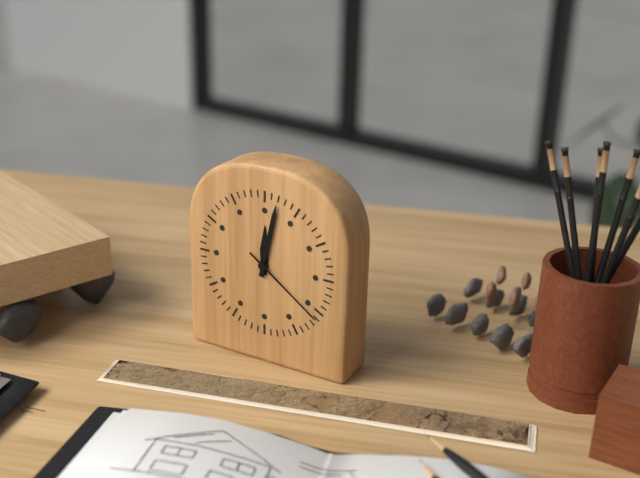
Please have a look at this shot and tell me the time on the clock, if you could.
12:02:21
